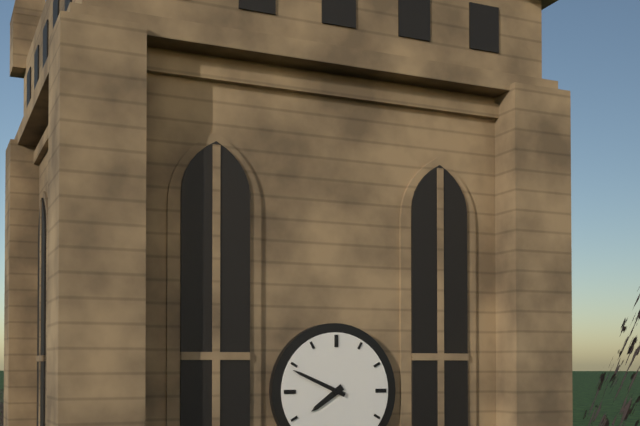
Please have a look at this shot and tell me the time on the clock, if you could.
7:49
